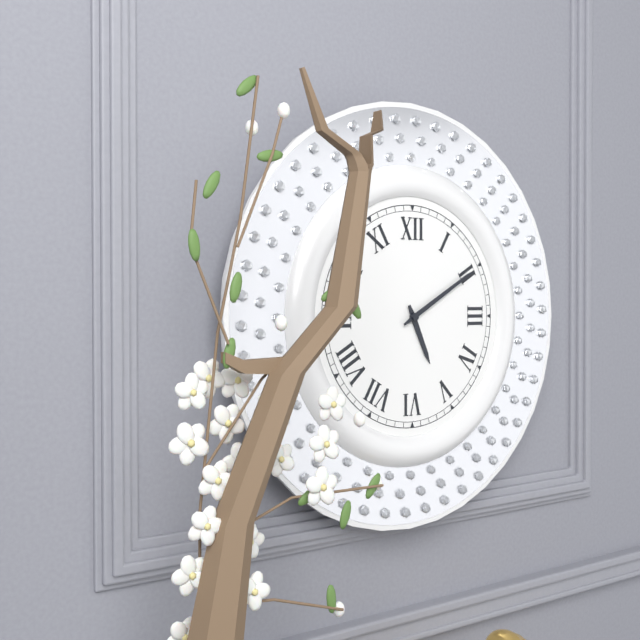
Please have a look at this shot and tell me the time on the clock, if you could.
5:10
